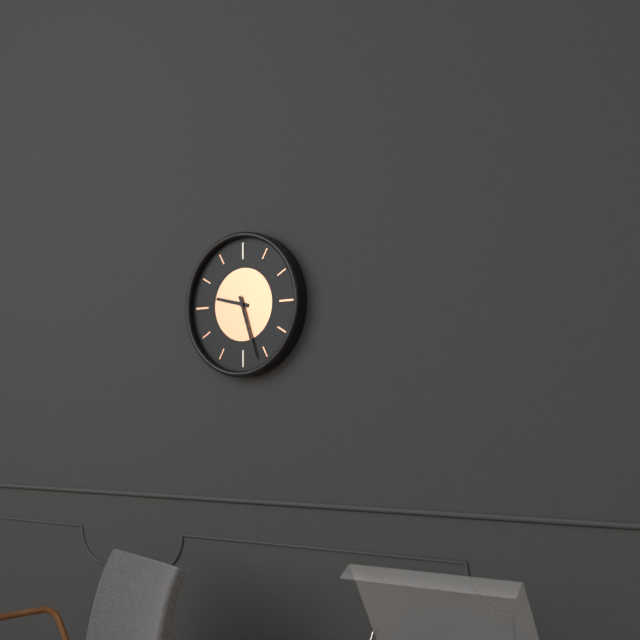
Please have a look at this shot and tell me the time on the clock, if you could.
9:27
